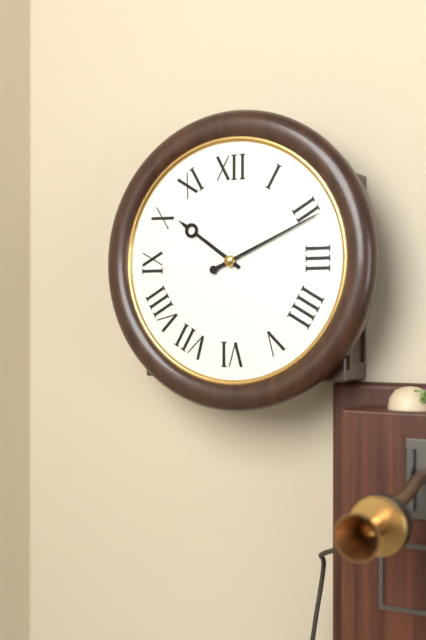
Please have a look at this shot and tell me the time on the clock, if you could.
10:11
